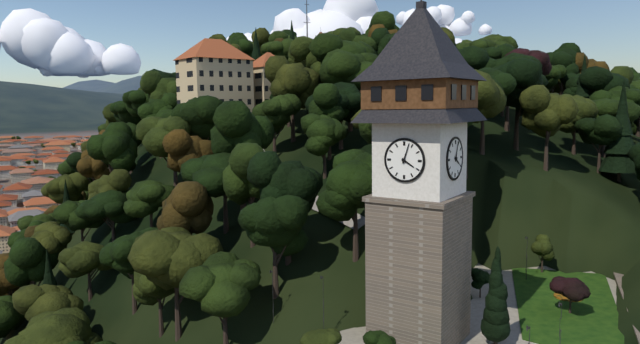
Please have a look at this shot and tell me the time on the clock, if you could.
4:03
